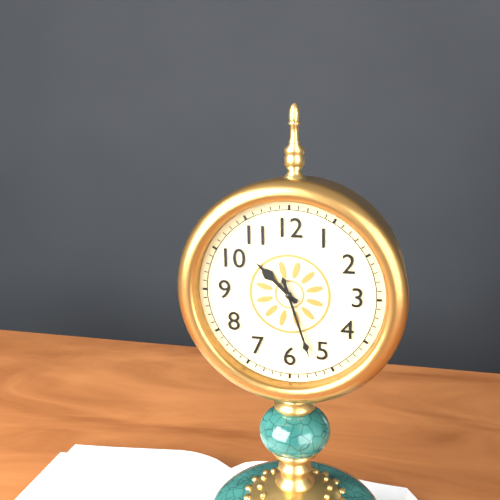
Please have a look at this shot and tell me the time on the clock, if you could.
10:27
